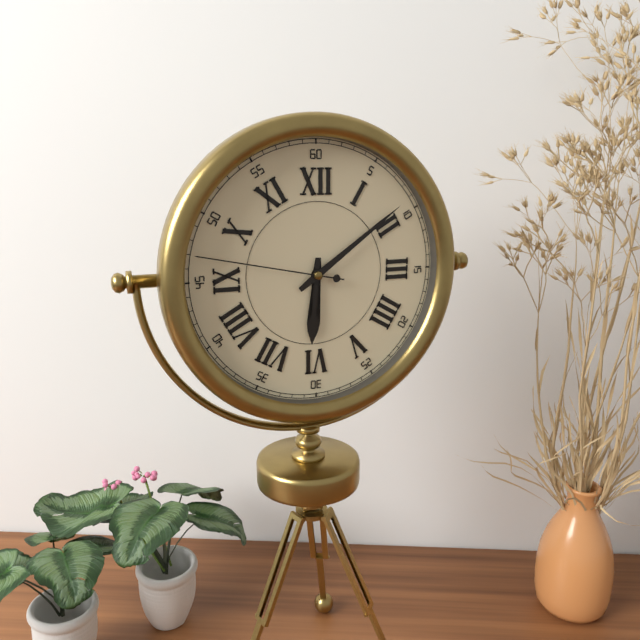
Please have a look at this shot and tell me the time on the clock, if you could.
6:09:47
